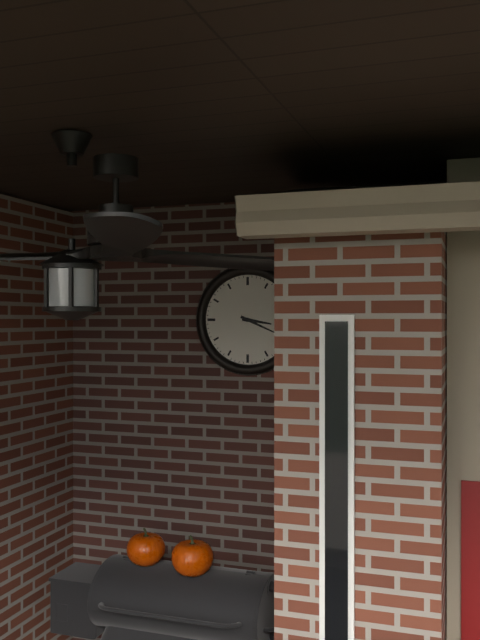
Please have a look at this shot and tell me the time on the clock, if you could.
3:19
